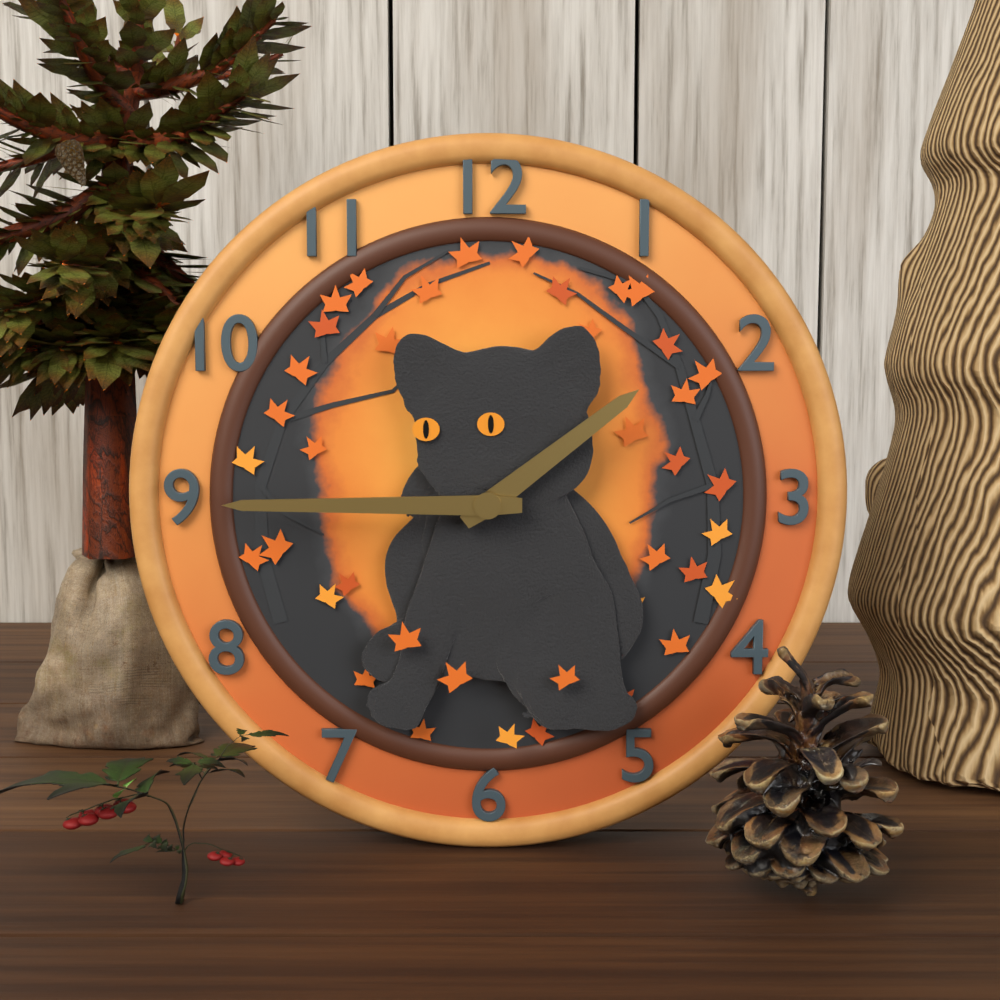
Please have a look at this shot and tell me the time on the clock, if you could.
1:45
